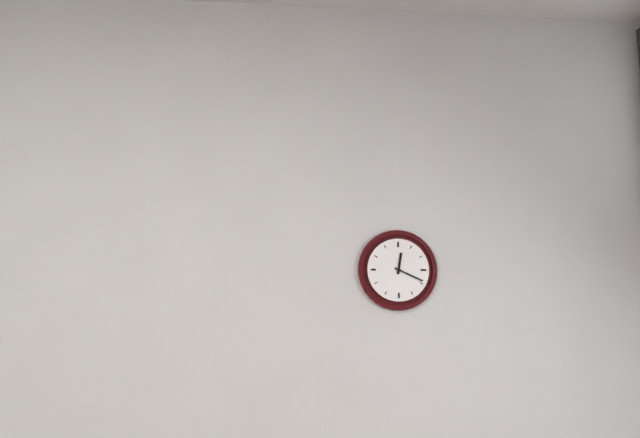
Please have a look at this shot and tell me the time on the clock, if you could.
12:19
